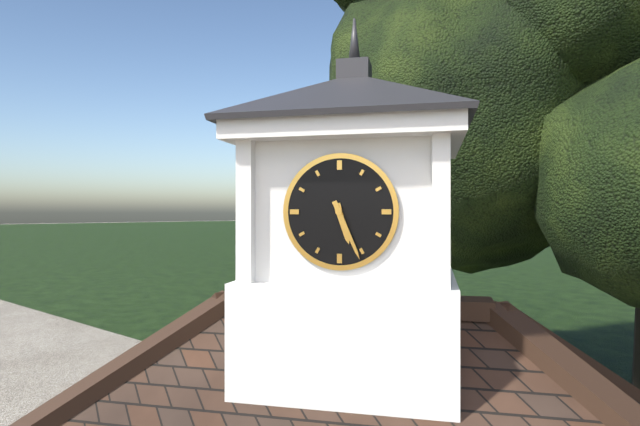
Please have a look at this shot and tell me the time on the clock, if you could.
5:26
